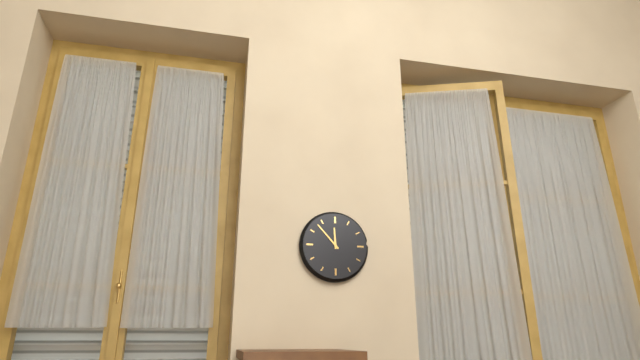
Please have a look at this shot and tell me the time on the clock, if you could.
11:53
